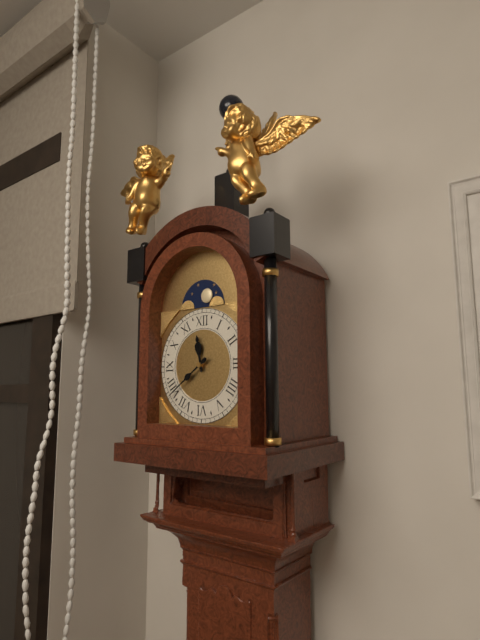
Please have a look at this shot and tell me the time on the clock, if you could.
11:39
